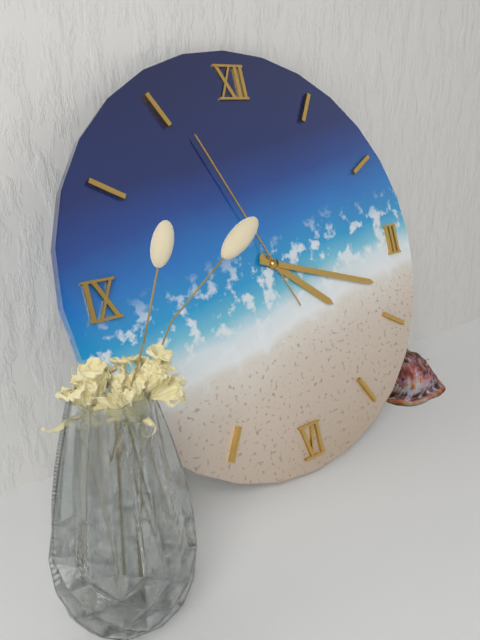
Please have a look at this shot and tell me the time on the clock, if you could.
4:18:56
